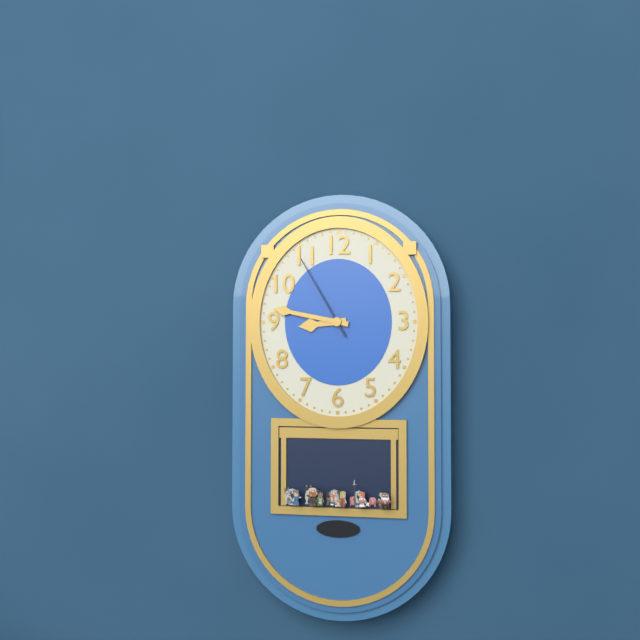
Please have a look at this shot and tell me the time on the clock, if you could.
8:47:55
